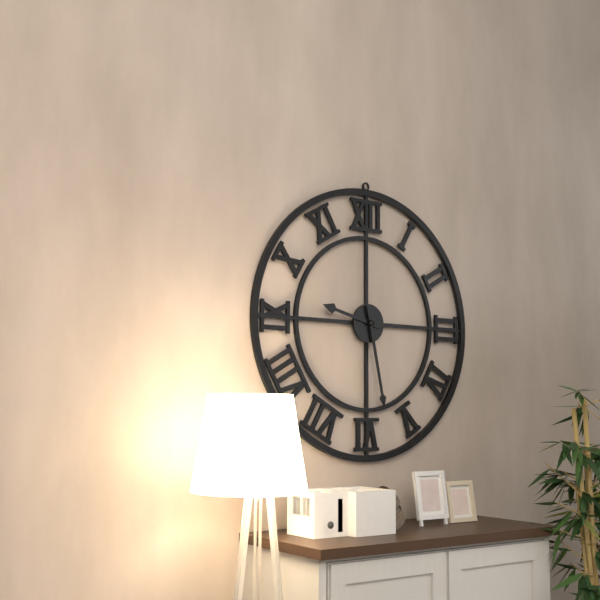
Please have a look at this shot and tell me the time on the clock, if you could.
9:28
